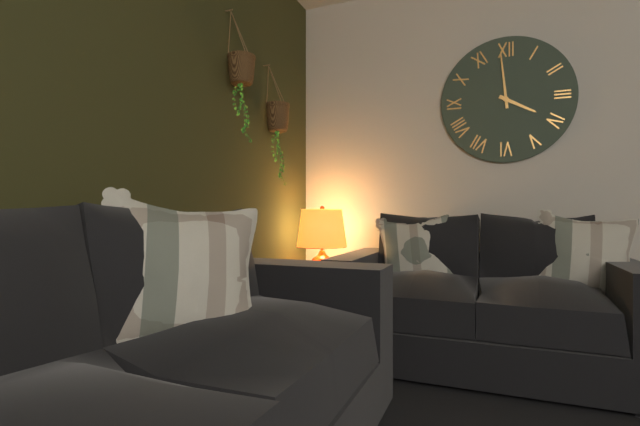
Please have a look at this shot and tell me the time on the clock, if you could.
3:59
